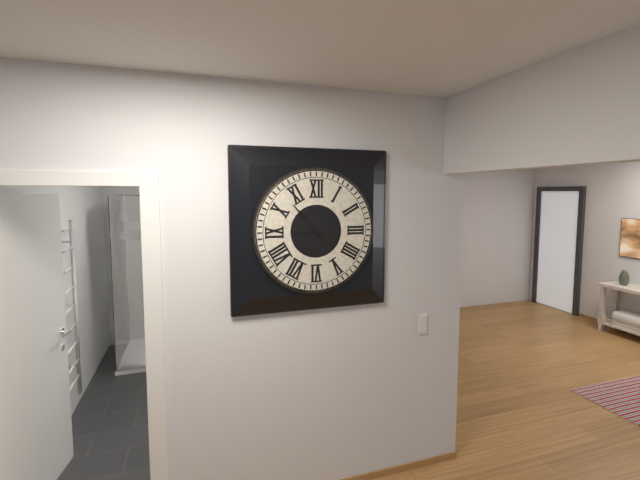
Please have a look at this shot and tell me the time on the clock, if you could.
8:53
